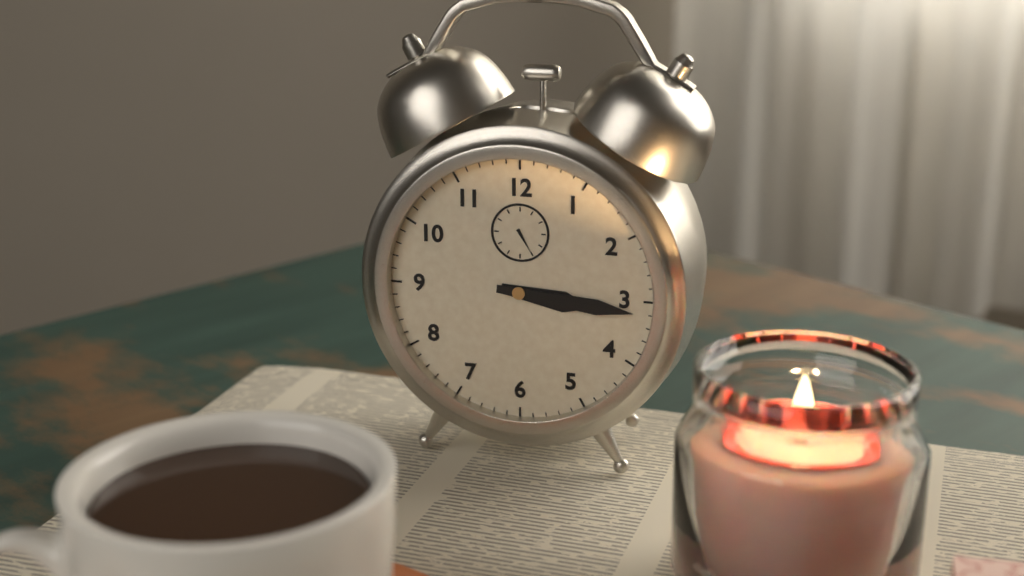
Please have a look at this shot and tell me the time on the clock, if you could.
3:16
